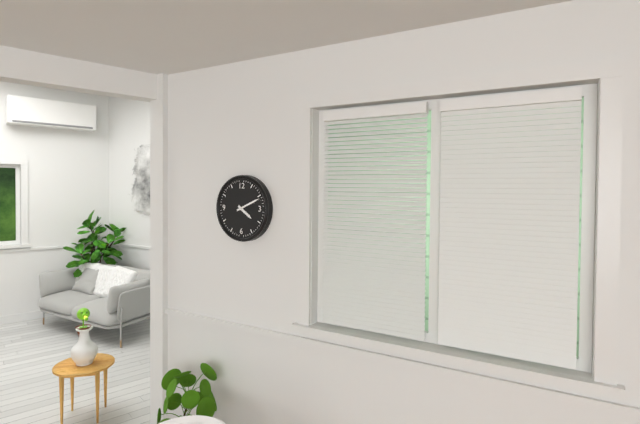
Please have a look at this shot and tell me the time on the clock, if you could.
4:11
